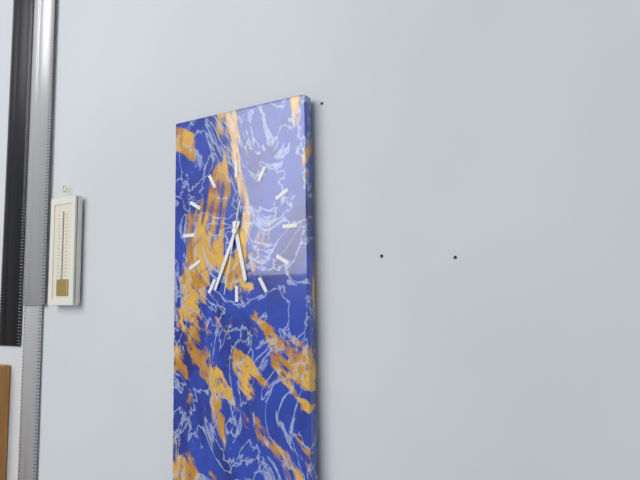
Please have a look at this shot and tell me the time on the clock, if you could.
5:34:32
